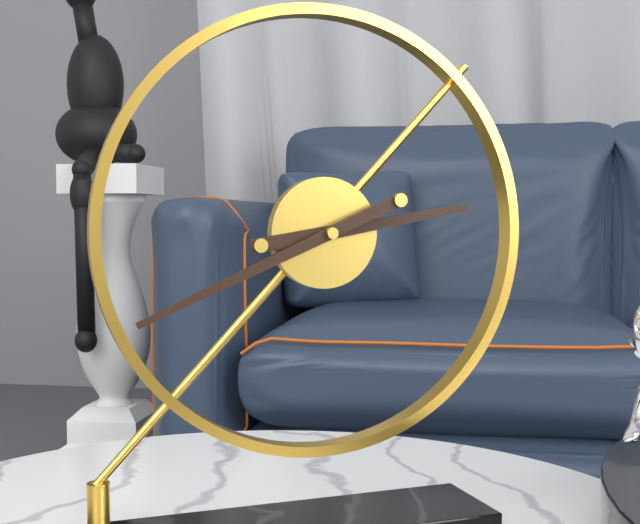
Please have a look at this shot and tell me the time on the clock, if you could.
2:41
